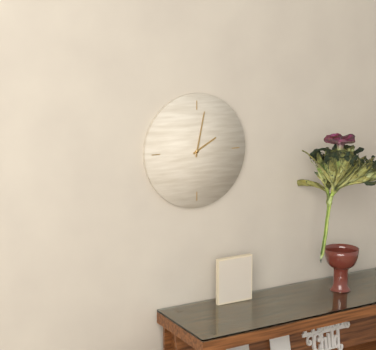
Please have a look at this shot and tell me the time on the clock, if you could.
2:02
